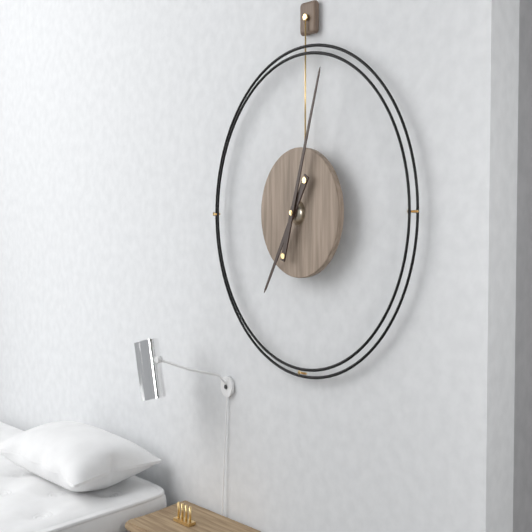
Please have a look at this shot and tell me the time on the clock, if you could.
7:03
